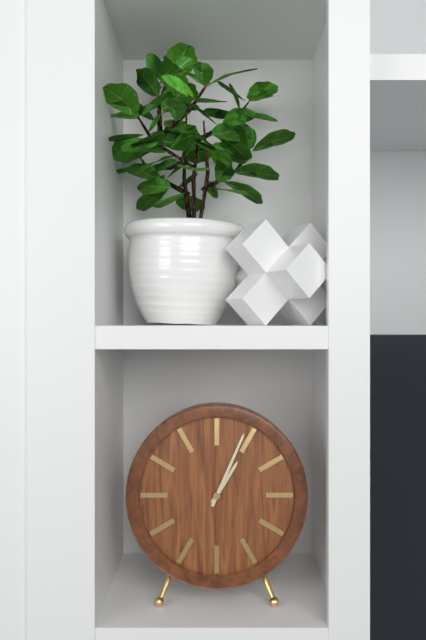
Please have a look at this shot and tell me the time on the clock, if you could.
1:04
